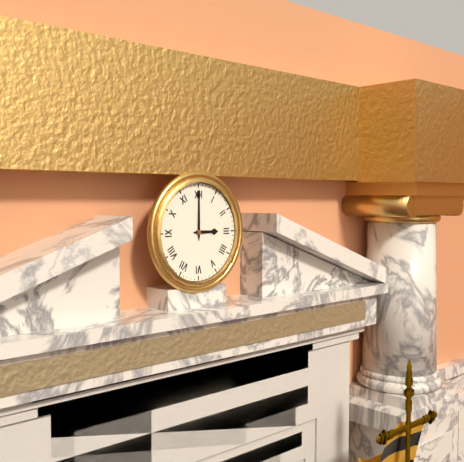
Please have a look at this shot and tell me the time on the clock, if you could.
3:00
